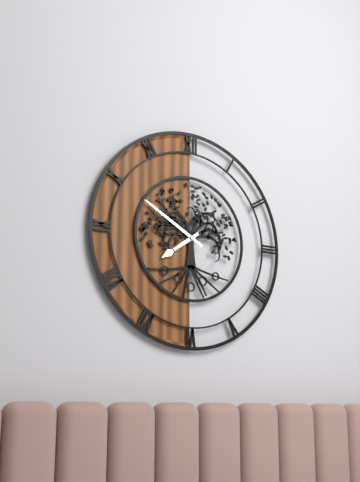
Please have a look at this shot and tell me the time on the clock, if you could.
7:50
